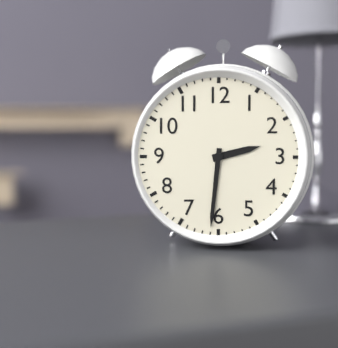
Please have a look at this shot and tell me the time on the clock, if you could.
2:31
